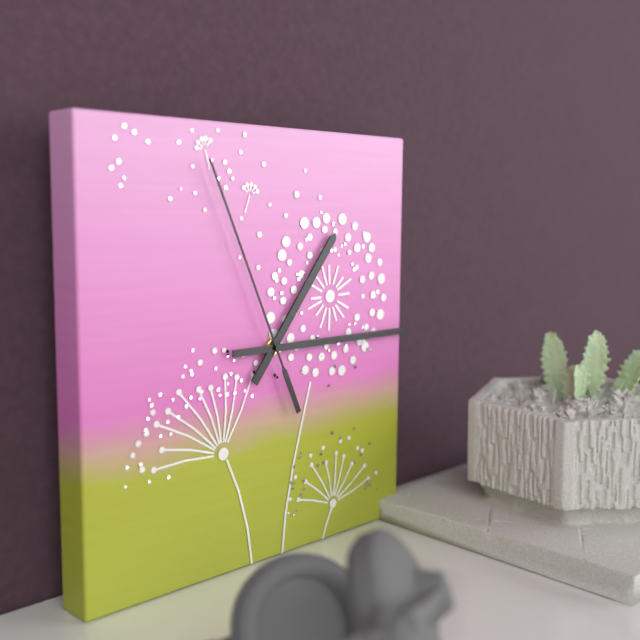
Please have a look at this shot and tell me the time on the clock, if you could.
1:15:56
